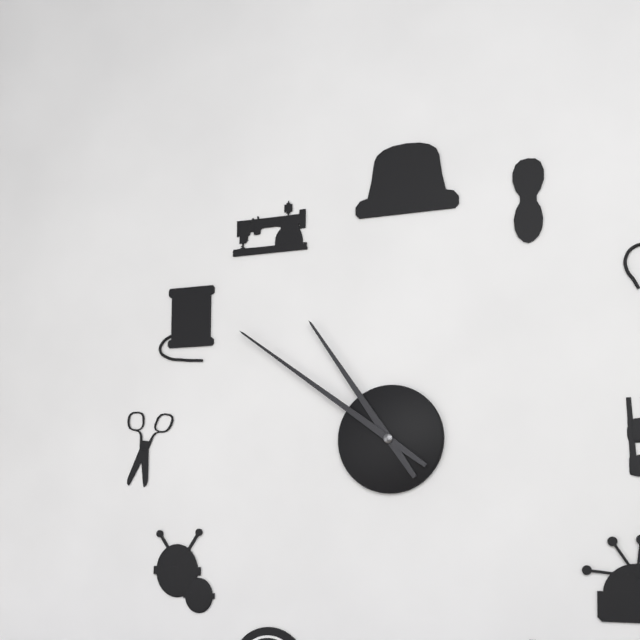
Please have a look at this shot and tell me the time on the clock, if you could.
10:51
